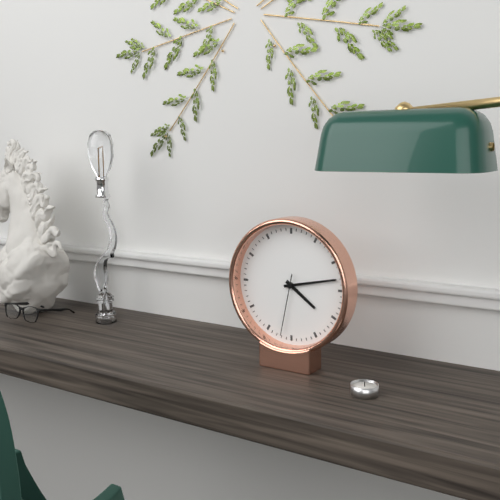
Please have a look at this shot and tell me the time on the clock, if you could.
4:13:32
